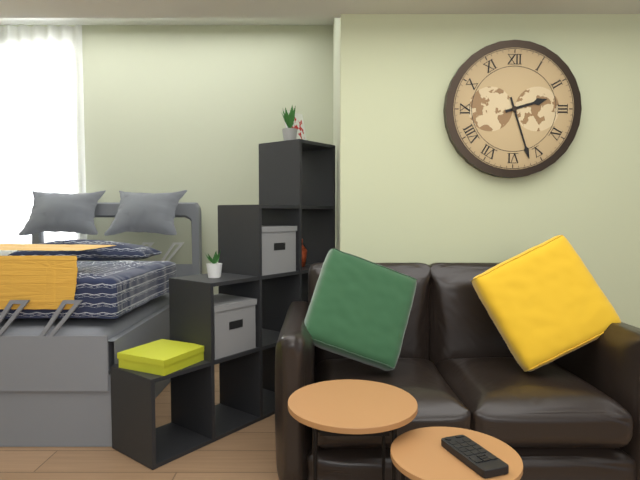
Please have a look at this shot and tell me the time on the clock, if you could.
2:27
